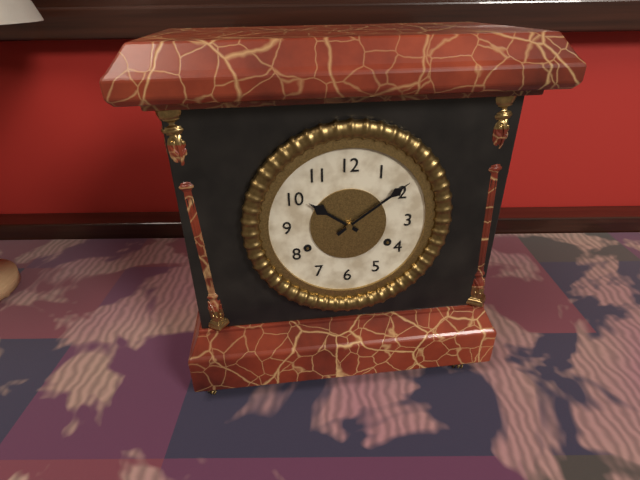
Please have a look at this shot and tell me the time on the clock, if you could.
10:09
